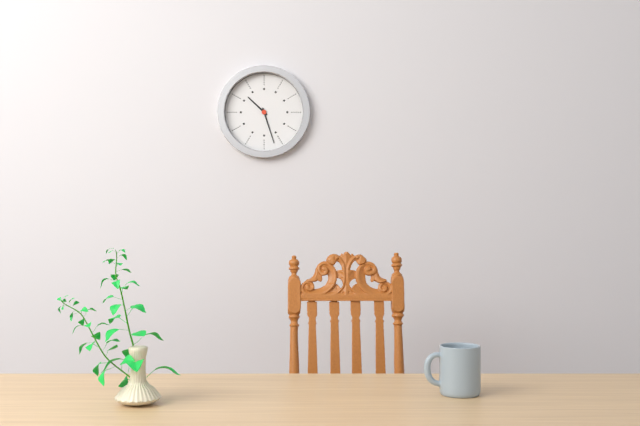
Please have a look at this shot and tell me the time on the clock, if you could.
10:27
